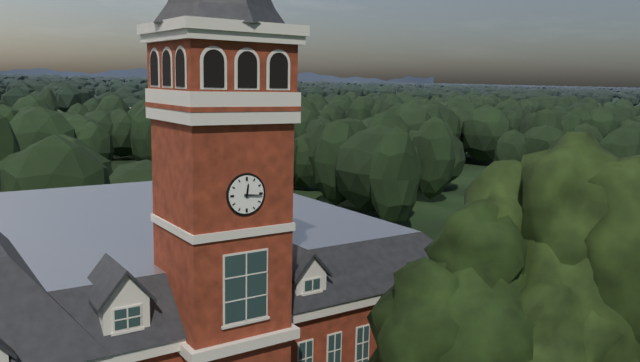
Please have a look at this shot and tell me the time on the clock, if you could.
12:16
